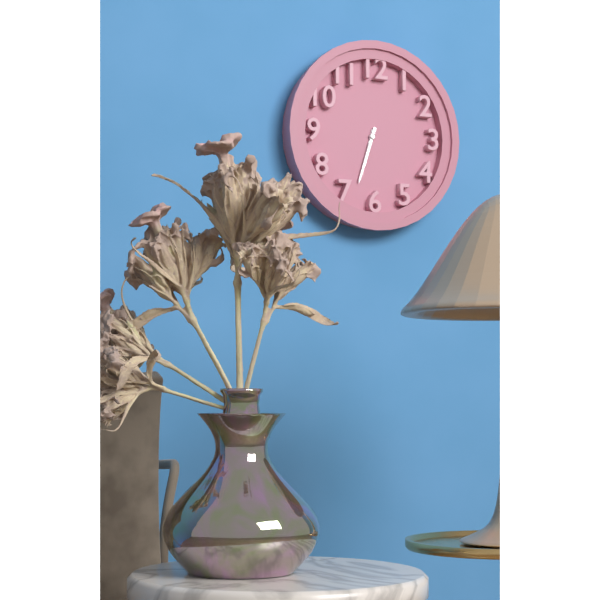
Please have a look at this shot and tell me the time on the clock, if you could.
6:33
